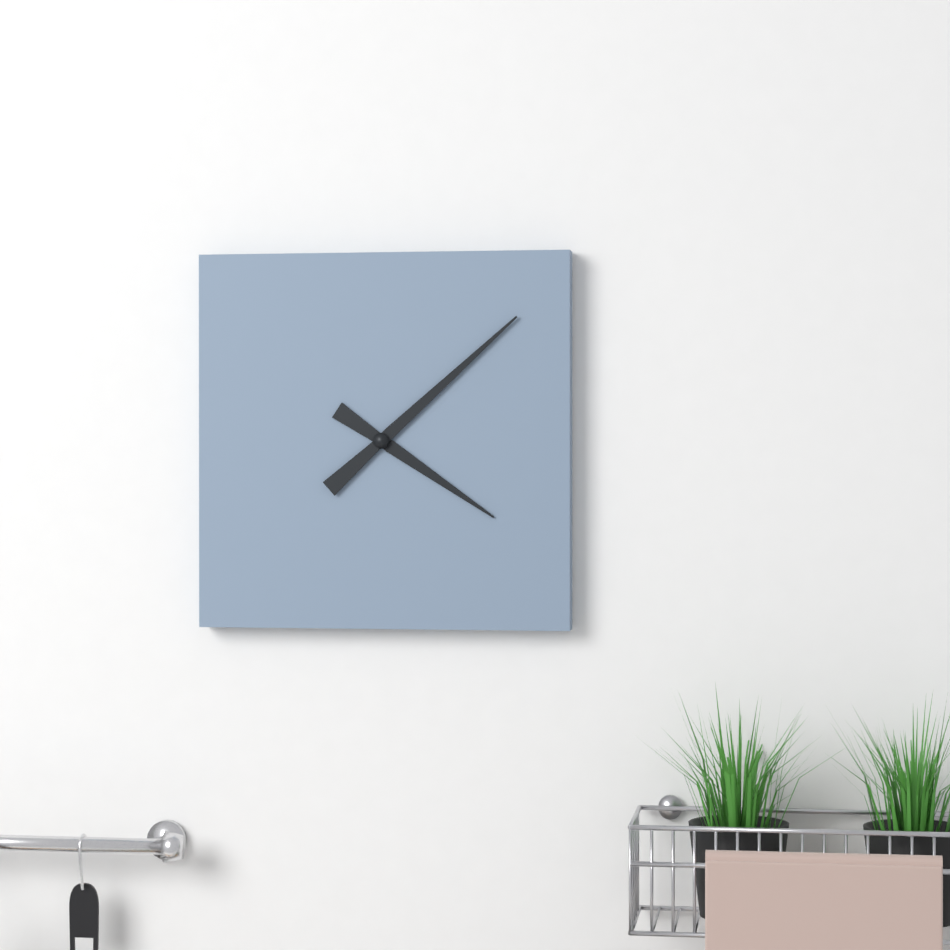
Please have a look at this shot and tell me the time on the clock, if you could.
4:08
